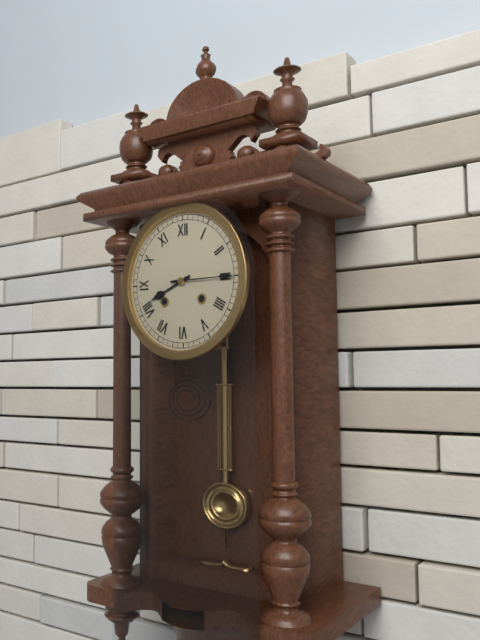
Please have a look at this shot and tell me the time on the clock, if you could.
8:15
